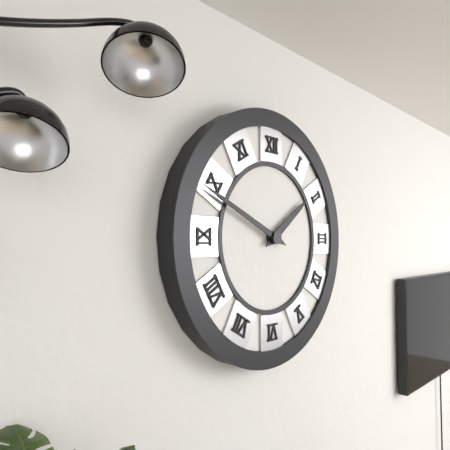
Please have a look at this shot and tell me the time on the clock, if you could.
1:49
